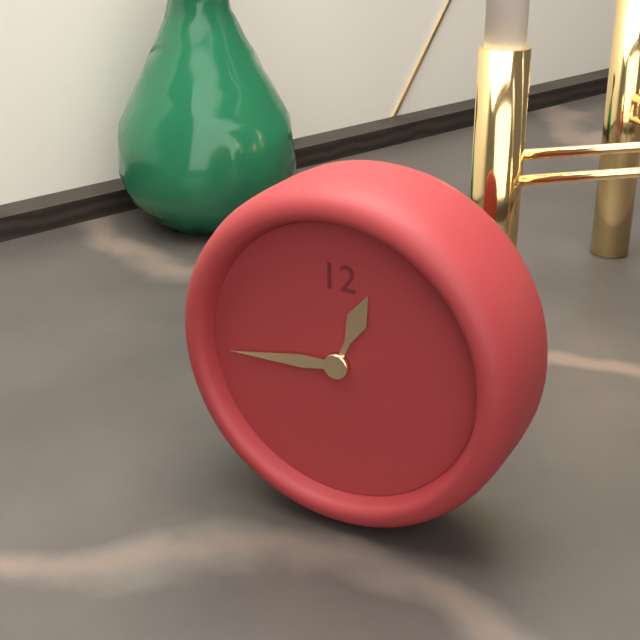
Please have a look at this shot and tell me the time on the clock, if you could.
12:44
